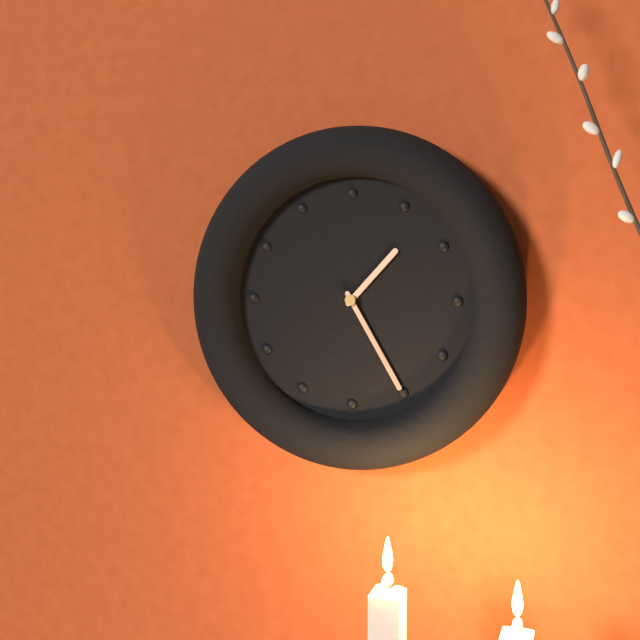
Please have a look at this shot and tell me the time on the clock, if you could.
1:25
